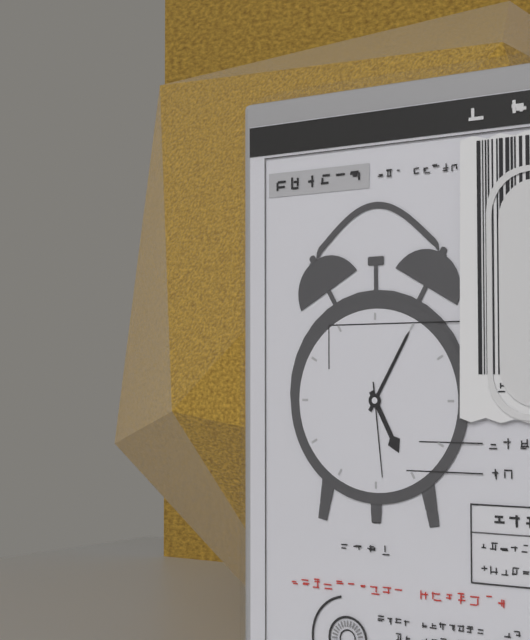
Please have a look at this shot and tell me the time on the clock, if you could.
5:05:29
